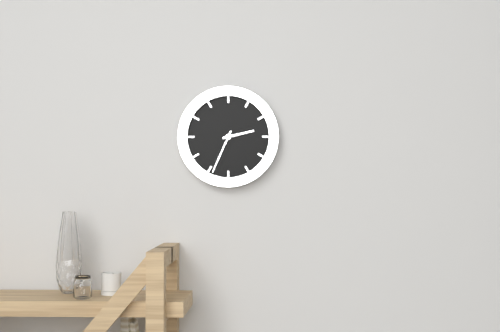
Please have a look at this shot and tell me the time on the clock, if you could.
2:34
